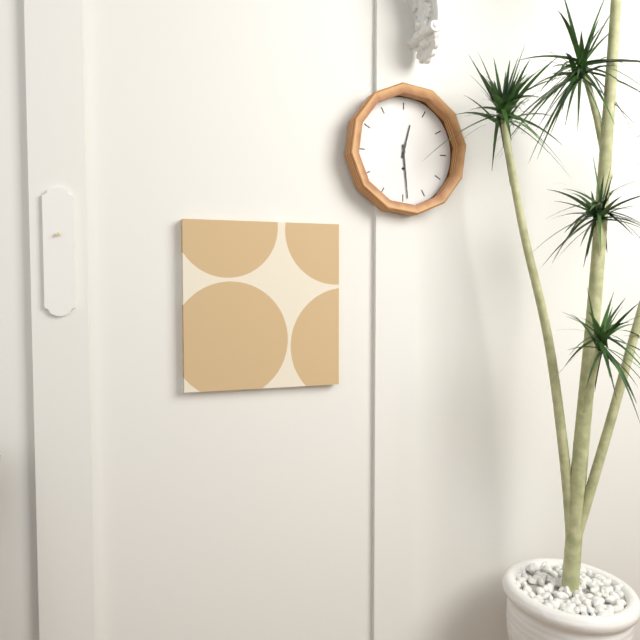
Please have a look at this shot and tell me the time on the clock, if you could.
12:29
